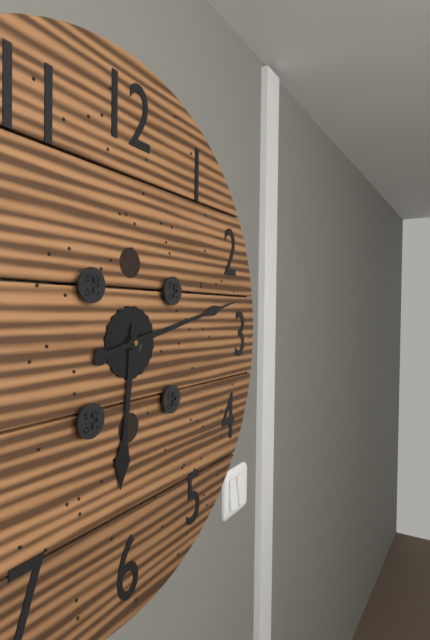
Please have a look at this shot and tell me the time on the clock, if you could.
6:13
